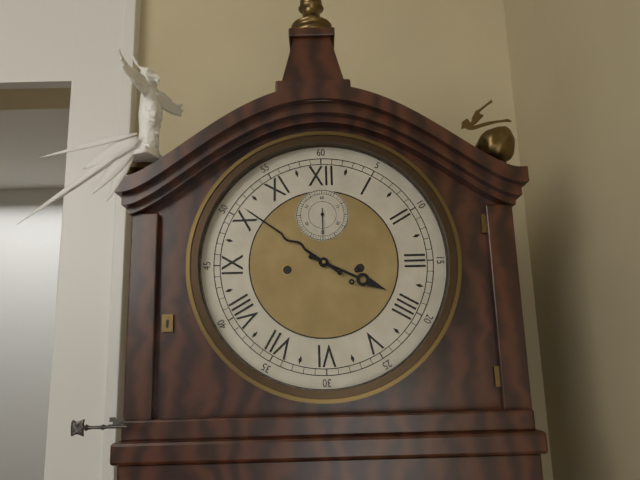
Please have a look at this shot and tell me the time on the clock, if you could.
3:51
